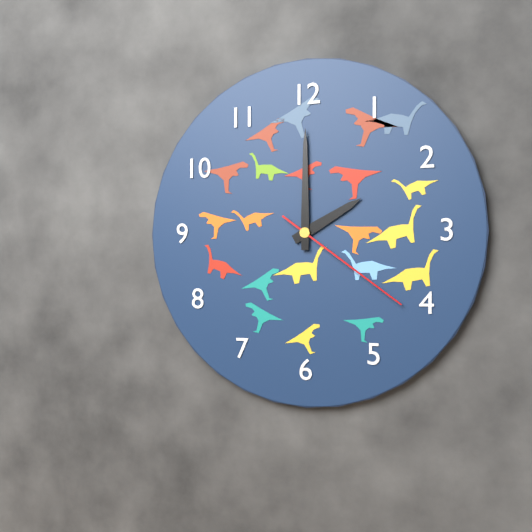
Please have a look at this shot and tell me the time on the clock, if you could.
2:00:21
